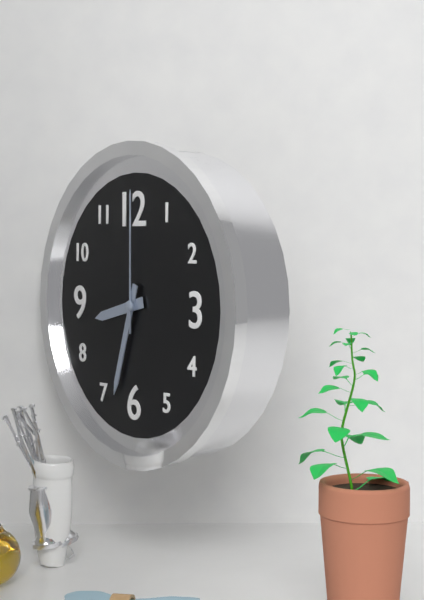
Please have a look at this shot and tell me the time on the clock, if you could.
8:33:00
